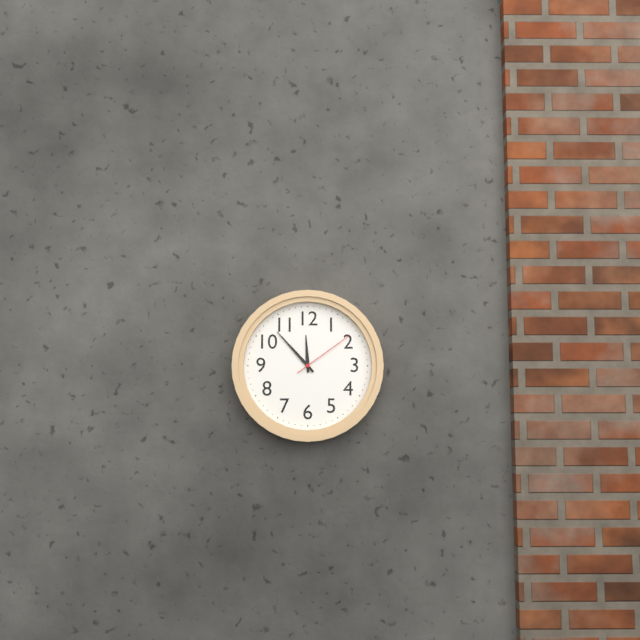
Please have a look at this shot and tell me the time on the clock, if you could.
11:53:09
